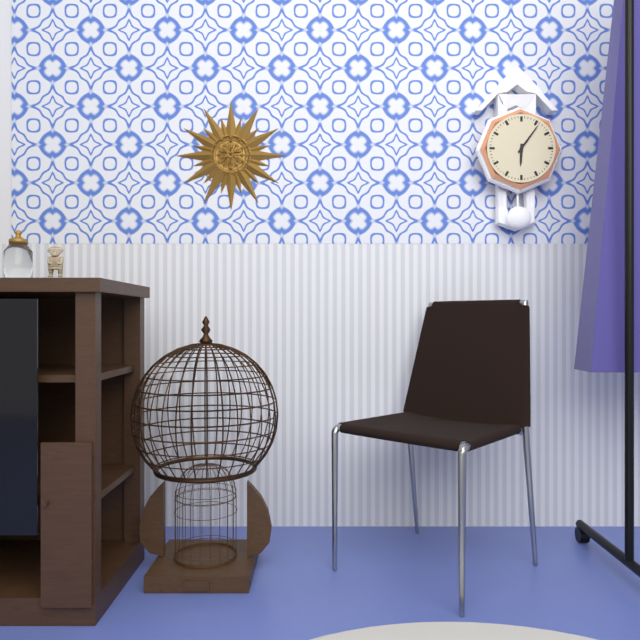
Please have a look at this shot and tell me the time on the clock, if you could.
6:06
